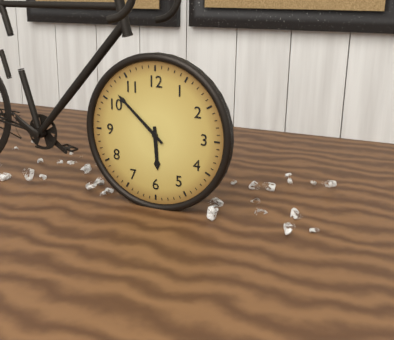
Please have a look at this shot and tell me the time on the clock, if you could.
5:52
